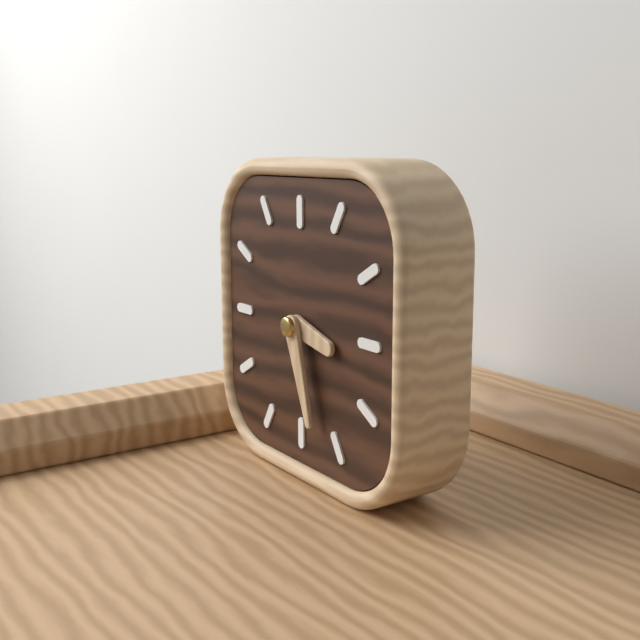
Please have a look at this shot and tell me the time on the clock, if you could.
3:27
